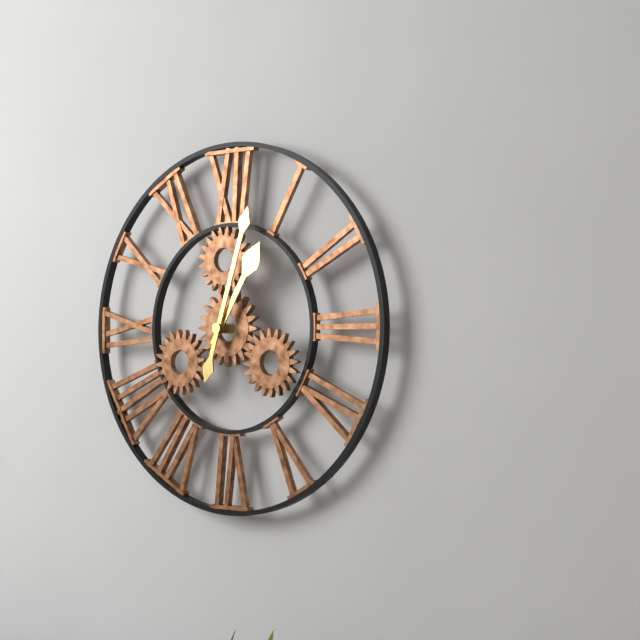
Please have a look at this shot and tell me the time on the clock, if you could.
1:03
